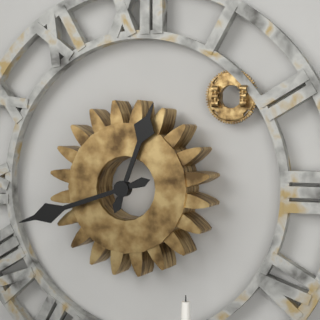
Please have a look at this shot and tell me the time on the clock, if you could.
12:42
